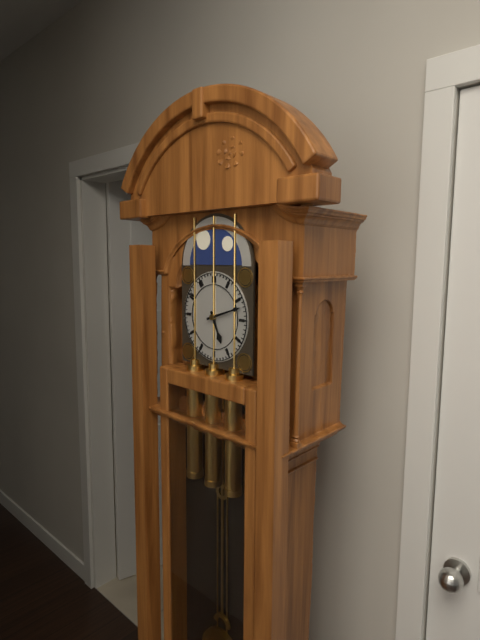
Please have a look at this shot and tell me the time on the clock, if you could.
5:12
